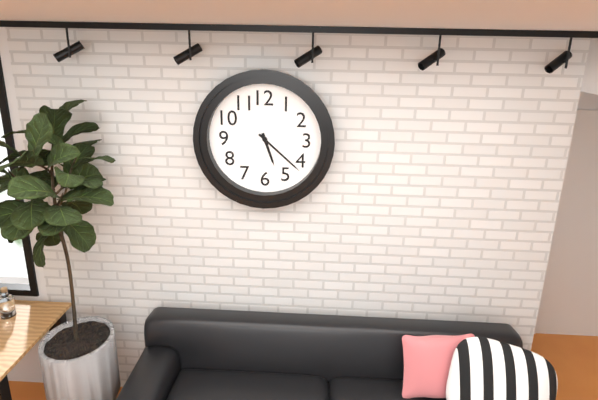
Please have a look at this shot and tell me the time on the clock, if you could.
5:22
